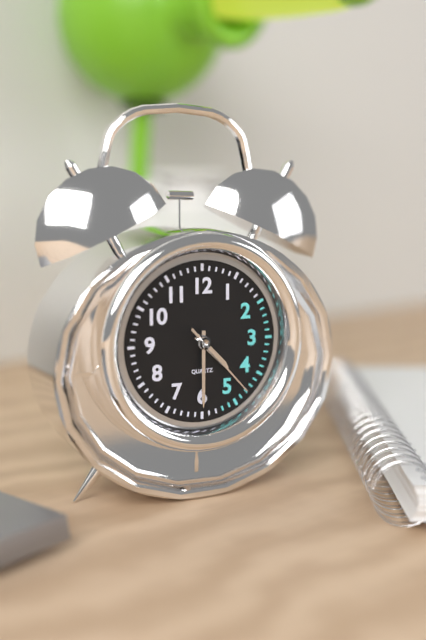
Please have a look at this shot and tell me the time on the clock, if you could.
4:30:23
